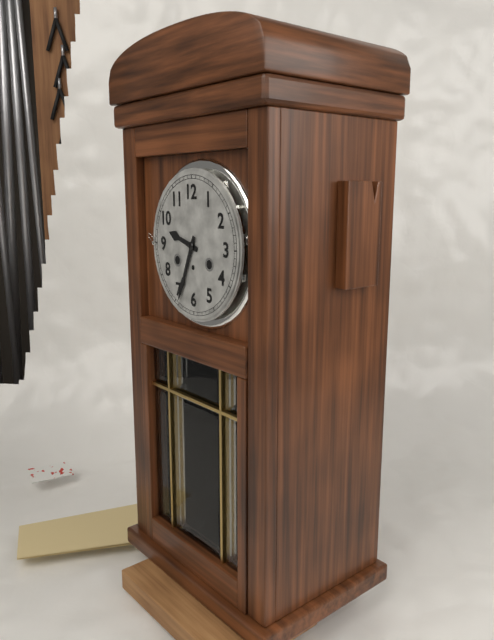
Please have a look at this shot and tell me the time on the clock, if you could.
9:34
